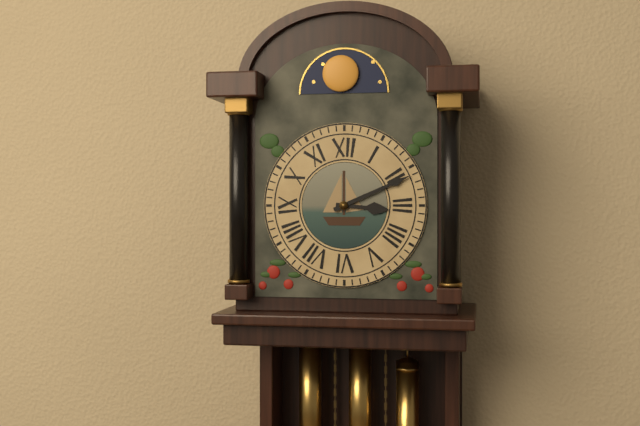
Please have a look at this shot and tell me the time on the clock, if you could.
3:11
